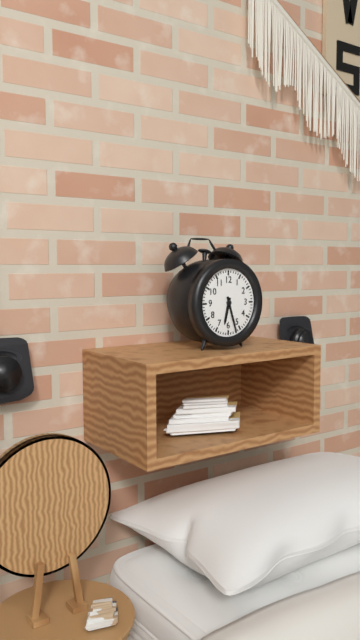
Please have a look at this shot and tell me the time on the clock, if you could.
6:27
